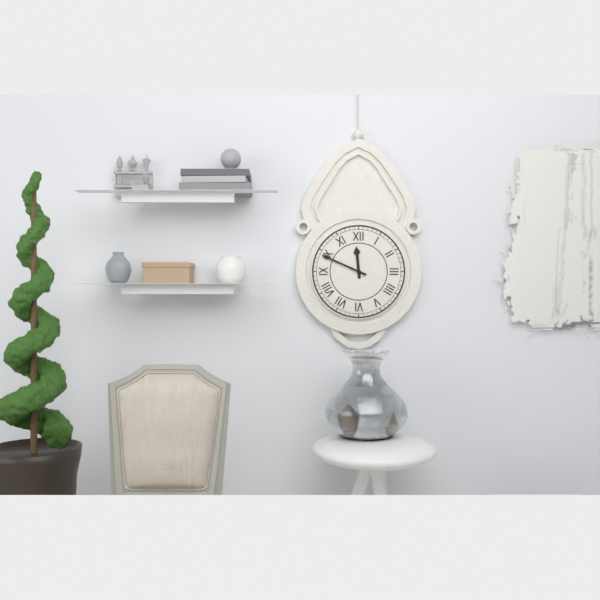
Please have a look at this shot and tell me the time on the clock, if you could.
11:49
